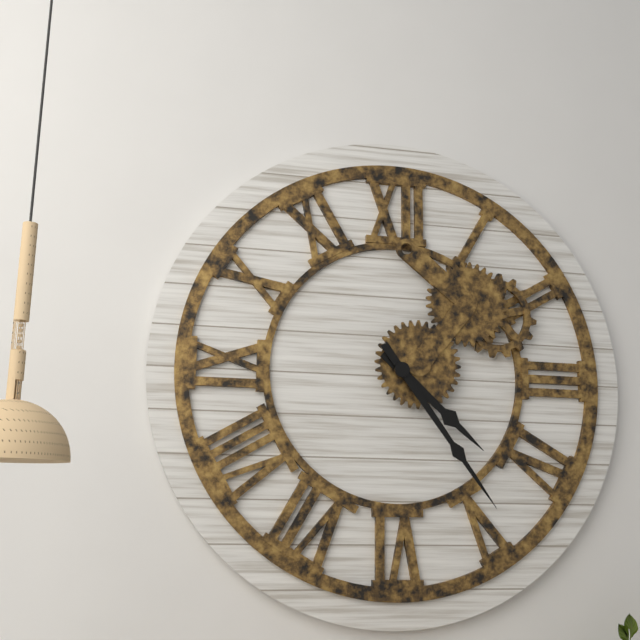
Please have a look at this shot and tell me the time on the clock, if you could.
4:24
